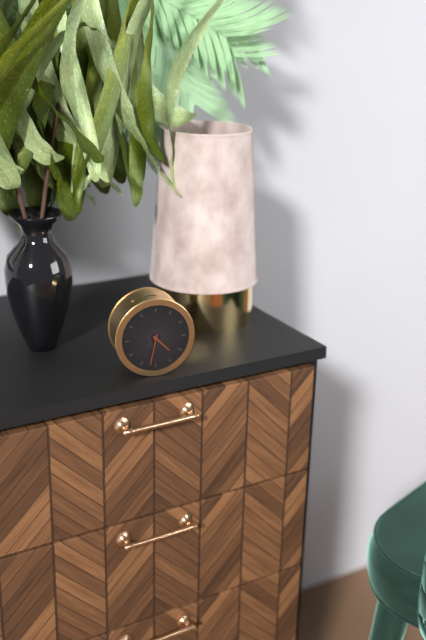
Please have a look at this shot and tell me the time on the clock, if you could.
4:32
